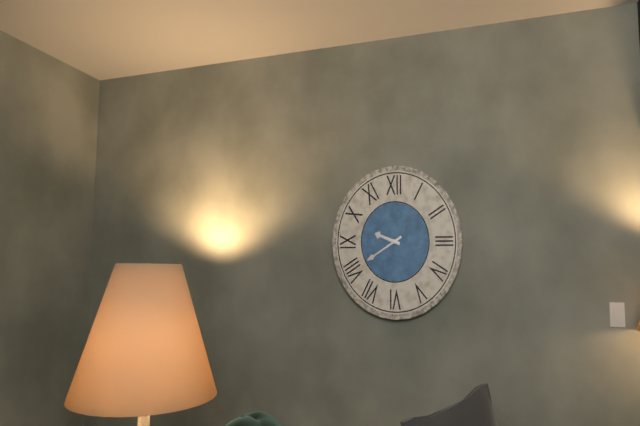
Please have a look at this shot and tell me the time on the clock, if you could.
9:40
